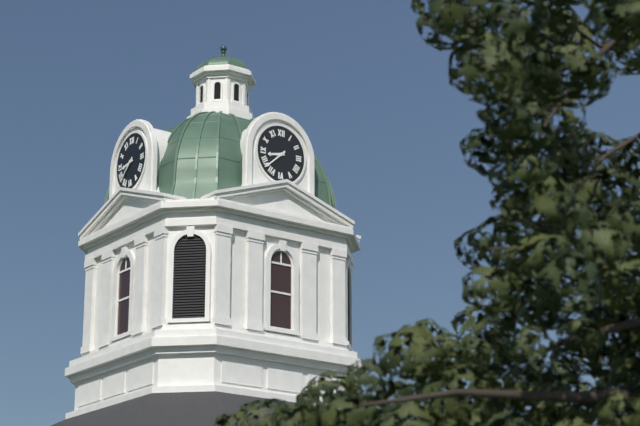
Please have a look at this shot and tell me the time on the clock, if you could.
8:38
